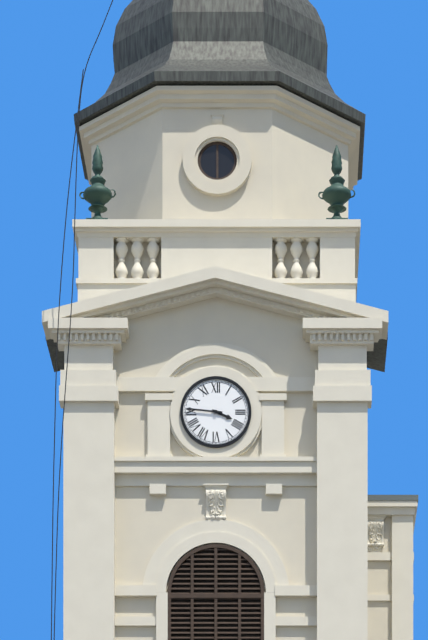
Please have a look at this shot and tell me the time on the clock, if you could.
3:46
